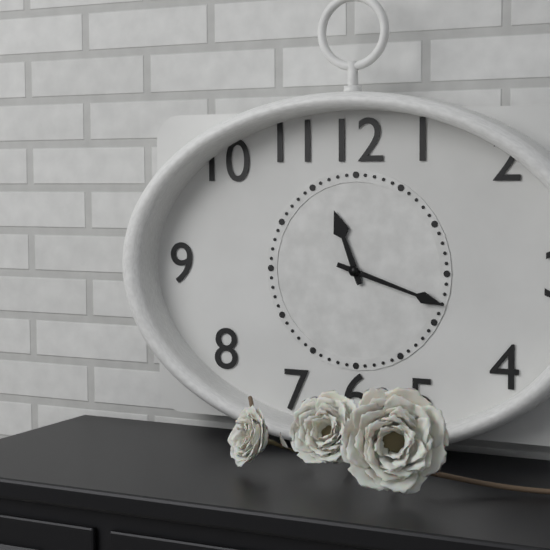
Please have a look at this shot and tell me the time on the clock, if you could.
11:18
